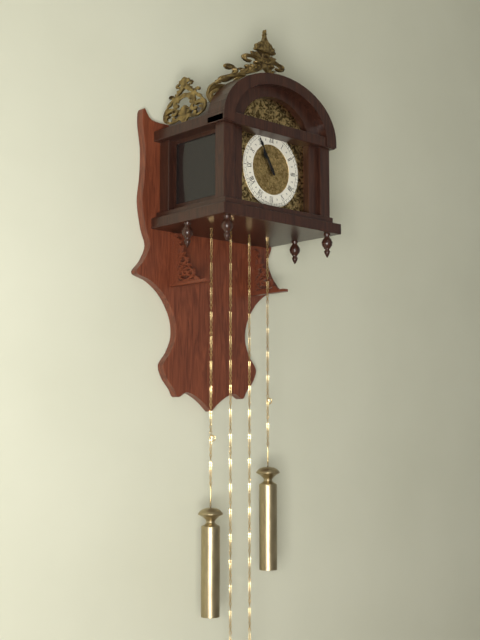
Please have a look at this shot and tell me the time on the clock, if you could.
10:55
